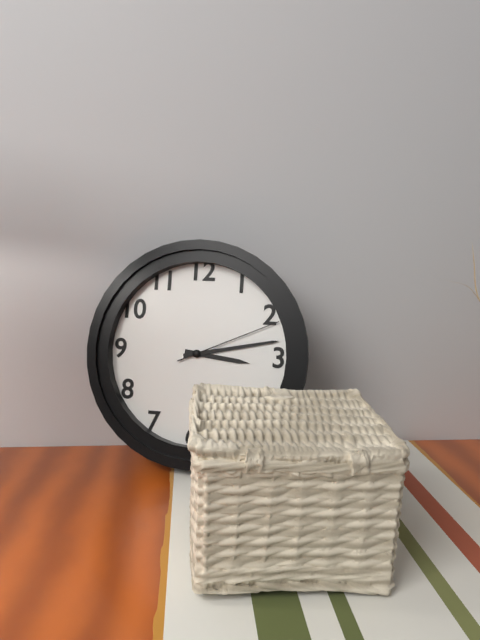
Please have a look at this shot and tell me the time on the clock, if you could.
3:13:11
